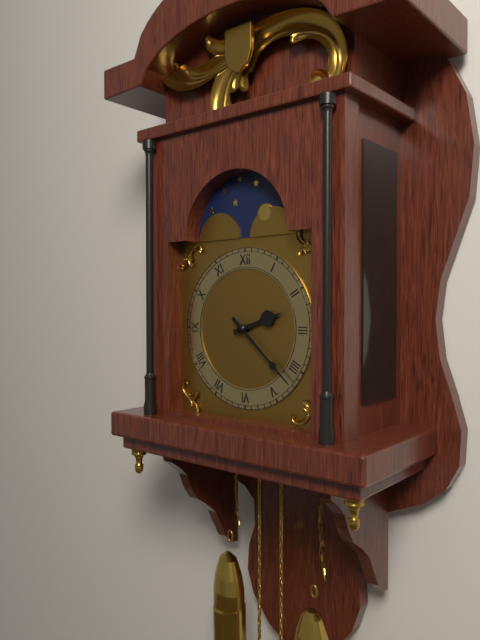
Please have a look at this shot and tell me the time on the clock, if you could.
2:22
